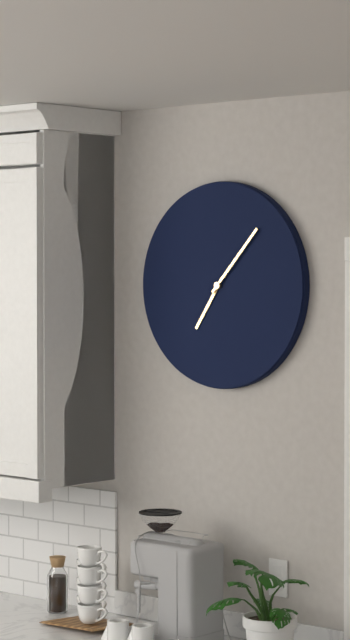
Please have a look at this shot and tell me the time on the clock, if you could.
7:07
